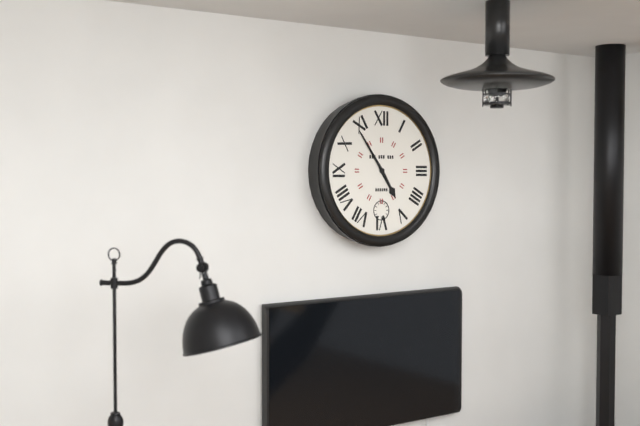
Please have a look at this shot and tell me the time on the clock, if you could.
4:54
